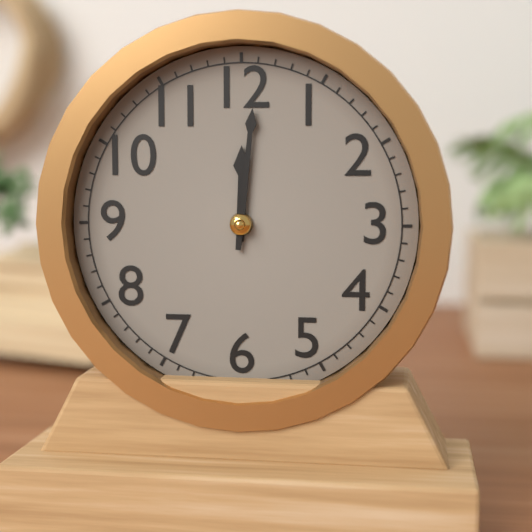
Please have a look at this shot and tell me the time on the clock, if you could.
12:01
